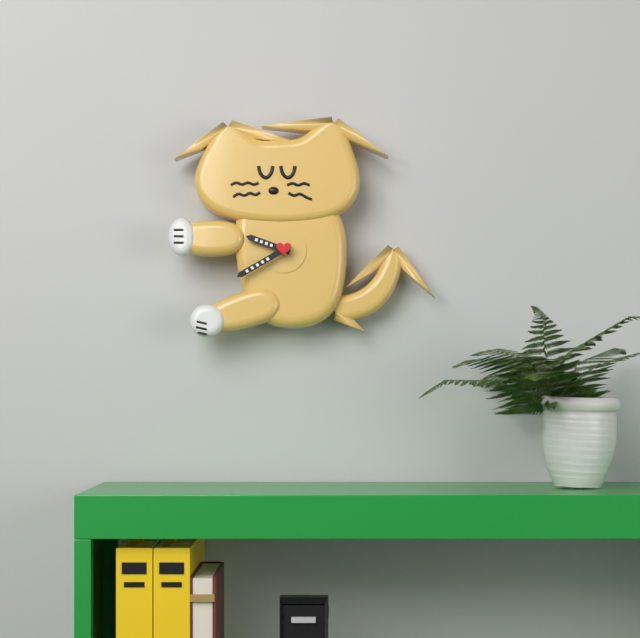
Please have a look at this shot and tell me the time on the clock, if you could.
9:40
